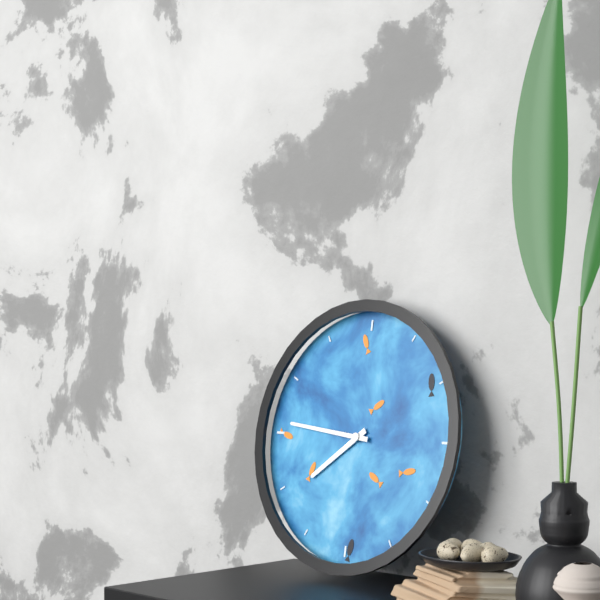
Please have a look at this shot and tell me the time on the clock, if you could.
7:46
